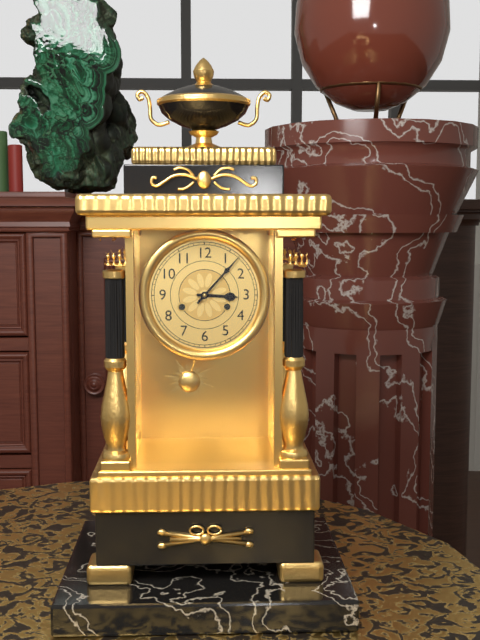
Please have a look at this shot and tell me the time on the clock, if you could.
3:07
